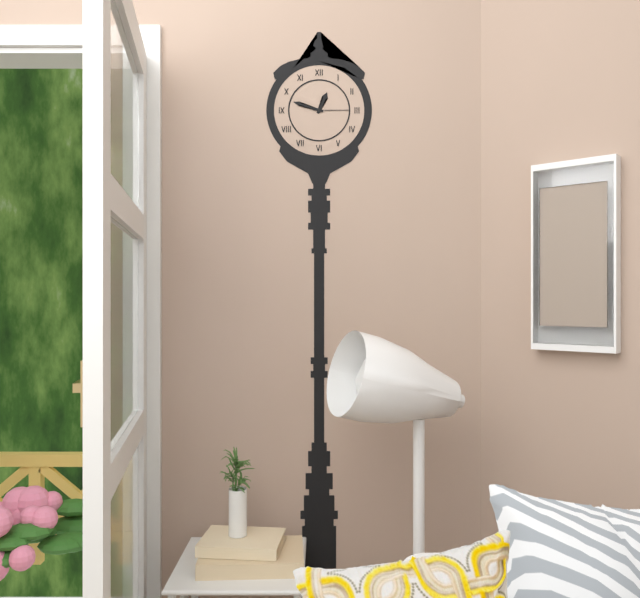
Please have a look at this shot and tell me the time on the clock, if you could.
12:48
